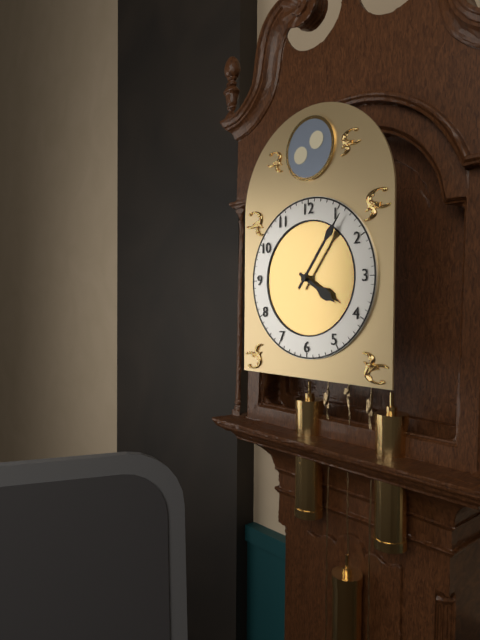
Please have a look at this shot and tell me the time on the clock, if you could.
4:06
